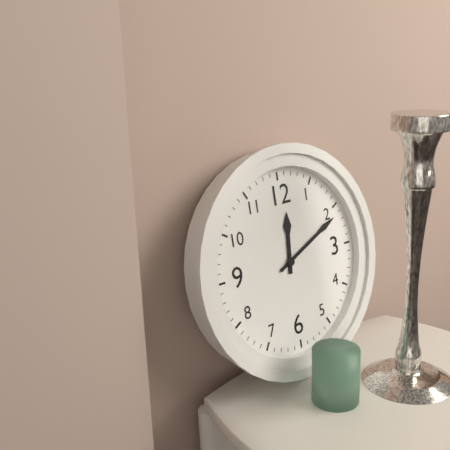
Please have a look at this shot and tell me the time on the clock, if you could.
12:11
